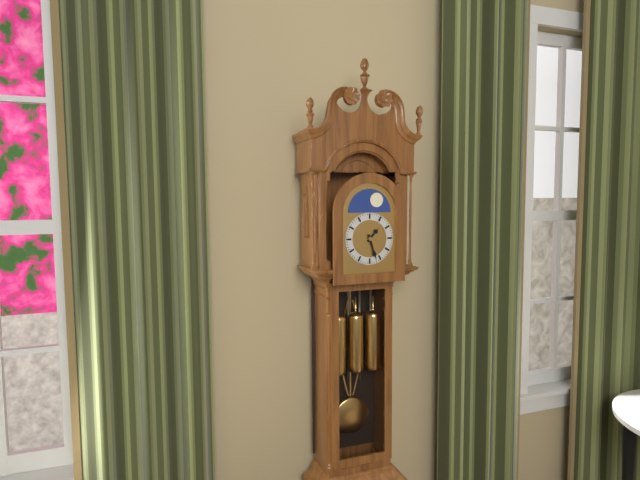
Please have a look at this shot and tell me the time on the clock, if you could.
1:27
